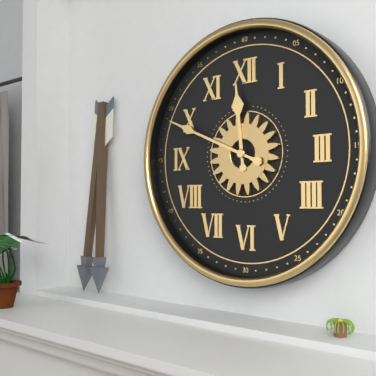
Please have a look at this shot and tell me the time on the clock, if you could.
11:49
